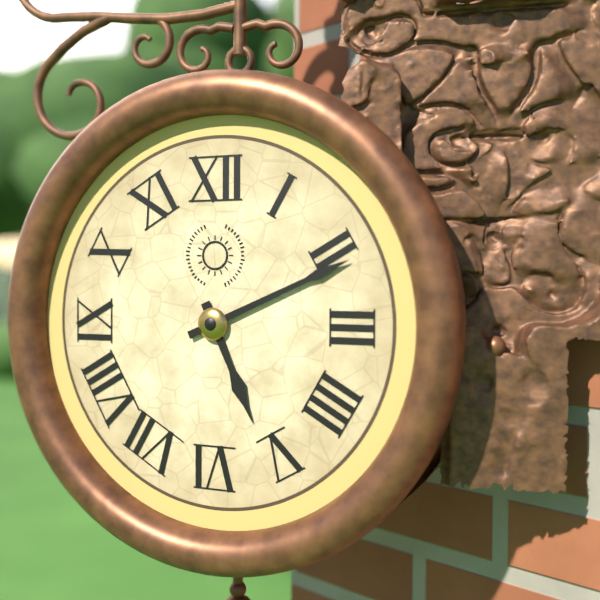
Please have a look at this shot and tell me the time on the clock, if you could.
5:11
